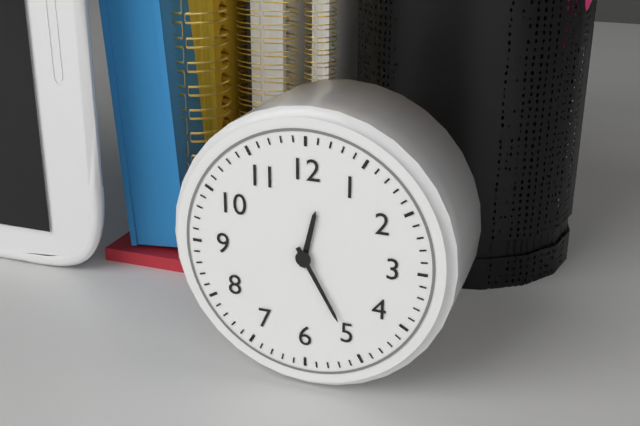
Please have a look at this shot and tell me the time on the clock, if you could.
12:25
